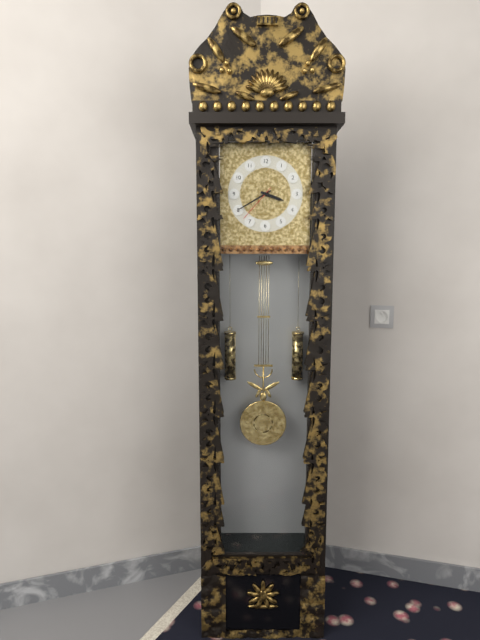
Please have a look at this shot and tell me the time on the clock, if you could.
3:40
